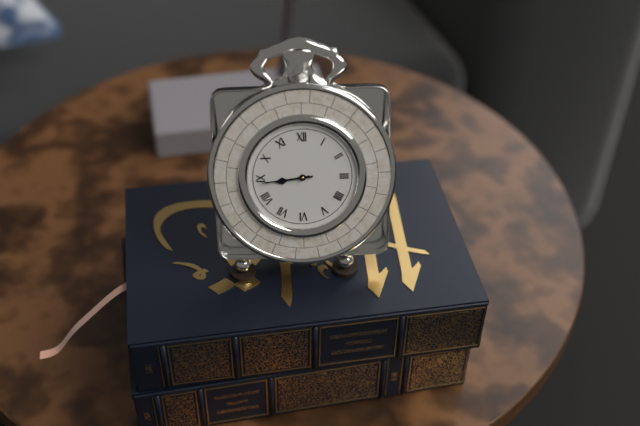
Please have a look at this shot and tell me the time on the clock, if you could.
8:44
